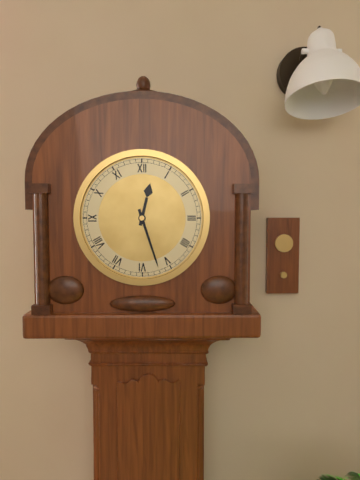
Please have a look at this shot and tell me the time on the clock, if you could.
12:27
